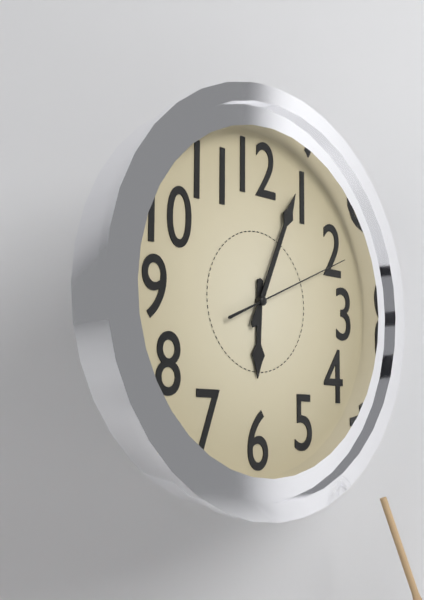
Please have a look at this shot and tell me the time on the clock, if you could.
6:04:11
